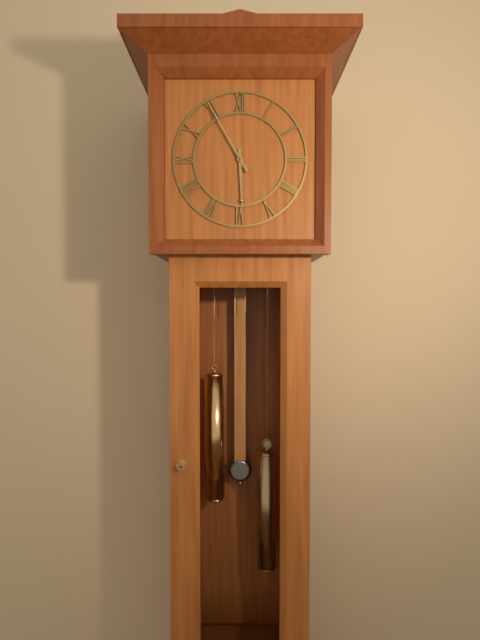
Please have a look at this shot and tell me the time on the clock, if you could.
5:55
